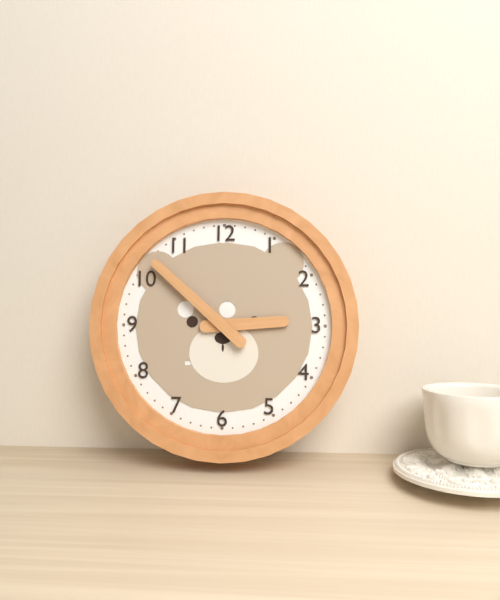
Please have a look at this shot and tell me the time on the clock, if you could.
2:52
